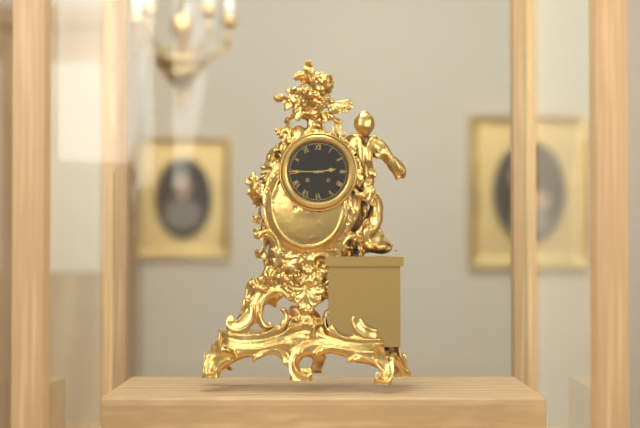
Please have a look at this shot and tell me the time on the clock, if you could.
2:45
